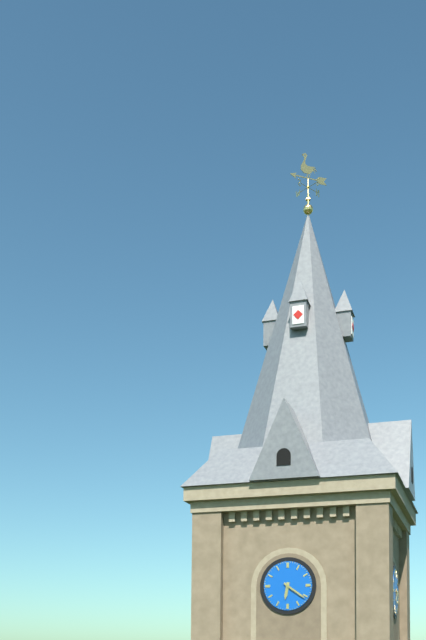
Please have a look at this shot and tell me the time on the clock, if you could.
6:21
